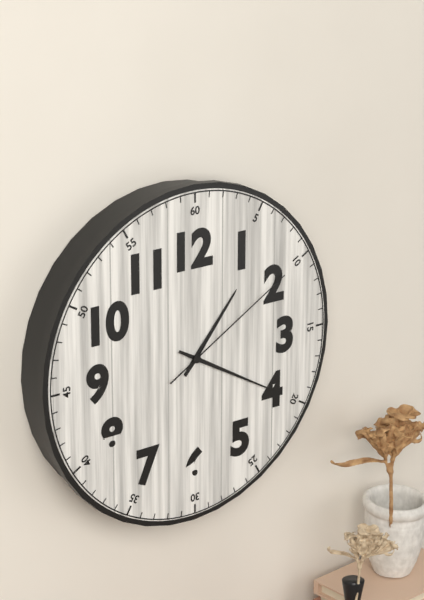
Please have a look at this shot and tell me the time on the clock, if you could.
1:20:10
